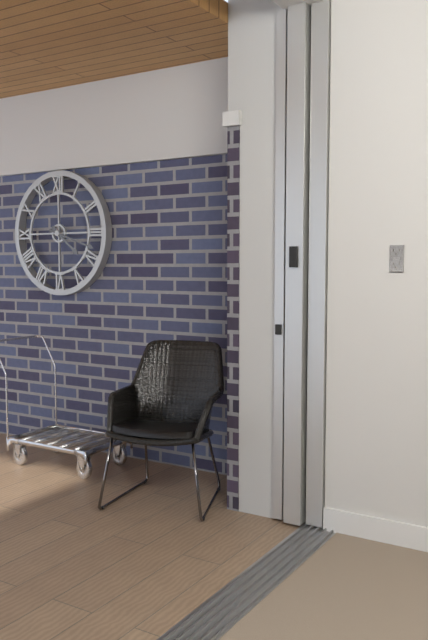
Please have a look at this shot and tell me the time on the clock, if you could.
4:18
